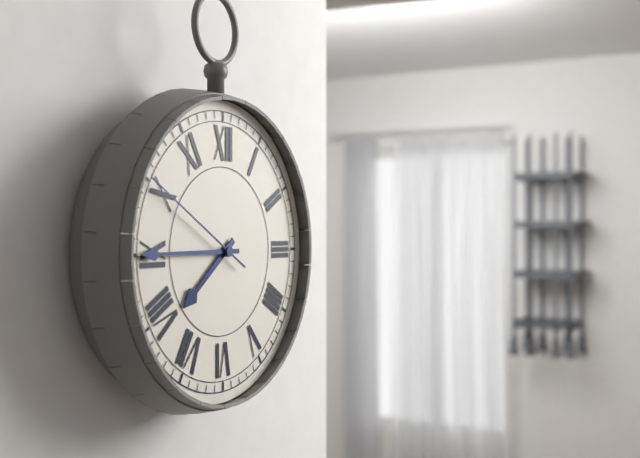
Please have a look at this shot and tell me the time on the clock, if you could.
7:45:50
